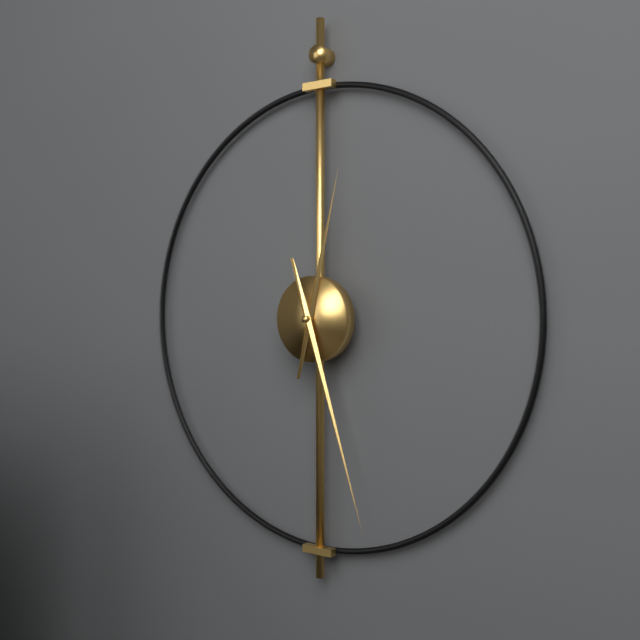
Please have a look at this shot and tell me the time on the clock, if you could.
12:27
